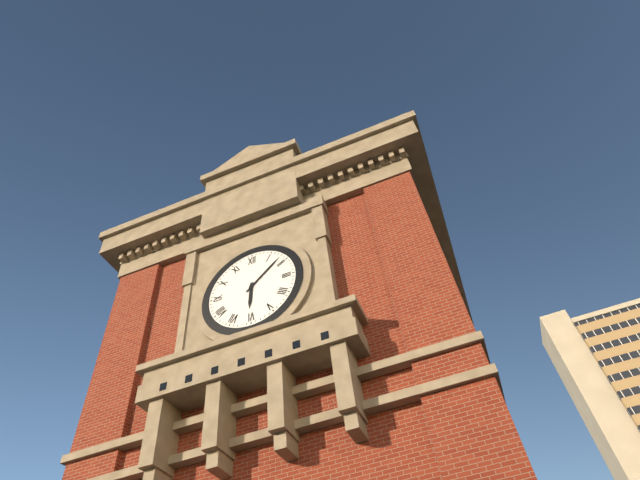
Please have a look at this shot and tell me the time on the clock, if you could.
6:08
